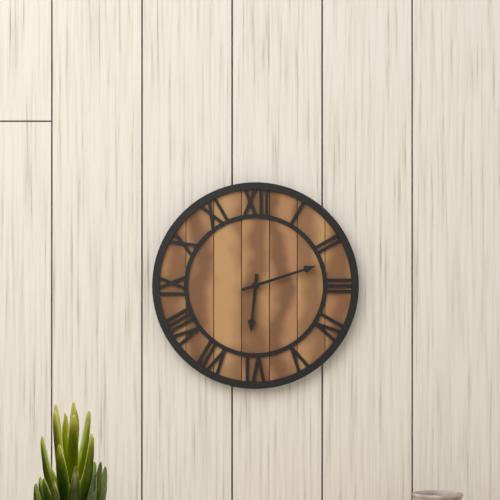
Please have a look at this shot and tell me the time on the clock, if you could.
6:12
